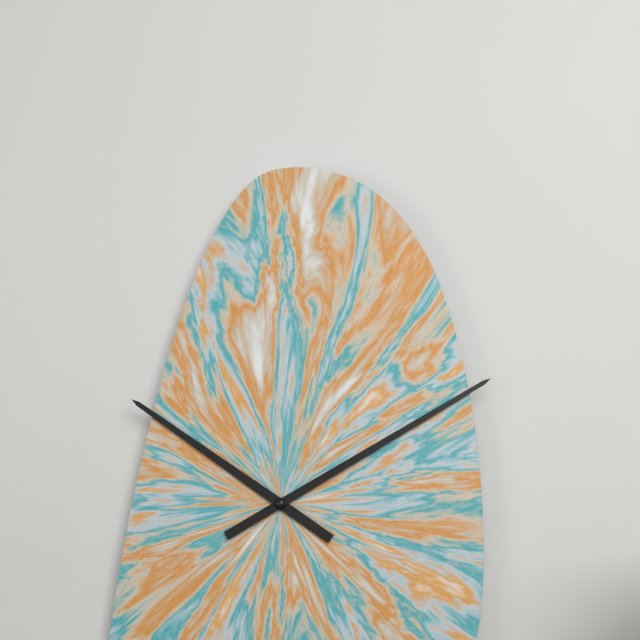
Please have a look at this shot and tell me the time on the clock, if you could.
10:10
